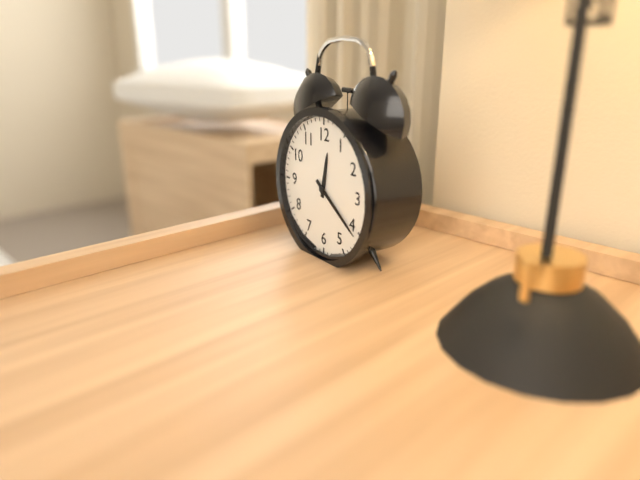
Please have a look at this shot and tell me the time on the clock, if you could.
12:21
